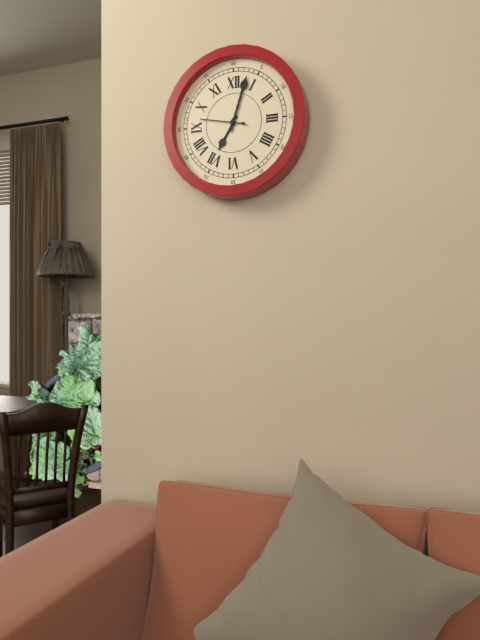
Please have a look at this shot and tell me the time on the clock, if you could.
7:03
